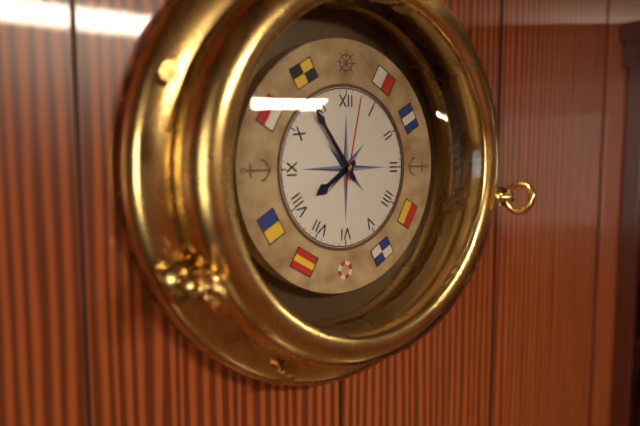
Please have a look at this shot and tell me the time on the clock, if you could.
7:54:02
